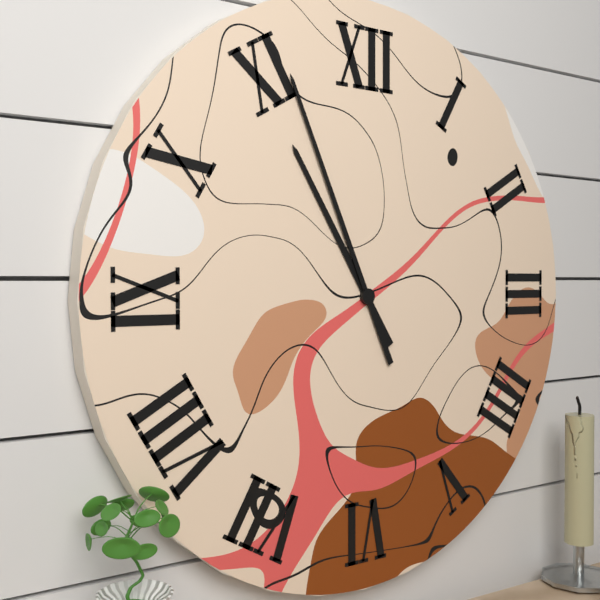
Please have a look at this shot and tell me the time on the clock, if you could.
10:56
